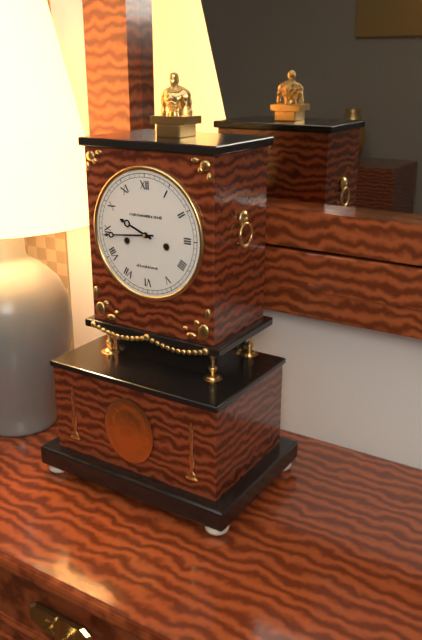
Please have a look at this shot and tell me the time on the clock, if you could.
9:44
